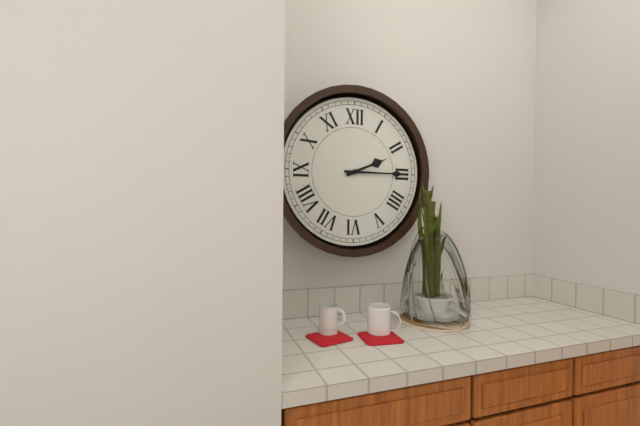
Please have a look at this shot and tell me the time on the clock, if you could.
2:15
